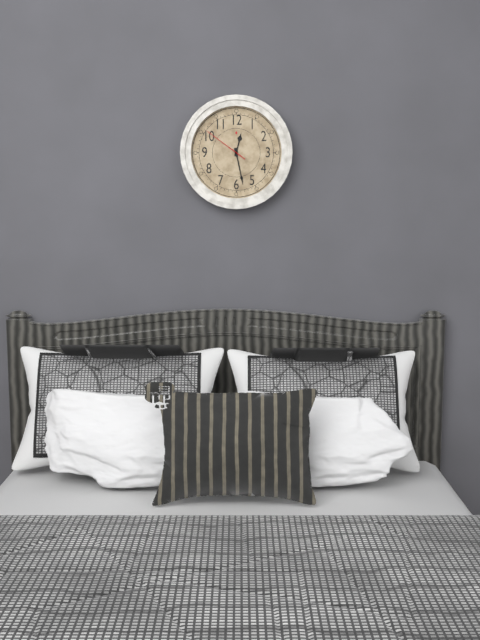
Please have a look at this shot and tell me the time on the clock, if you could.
12:28
